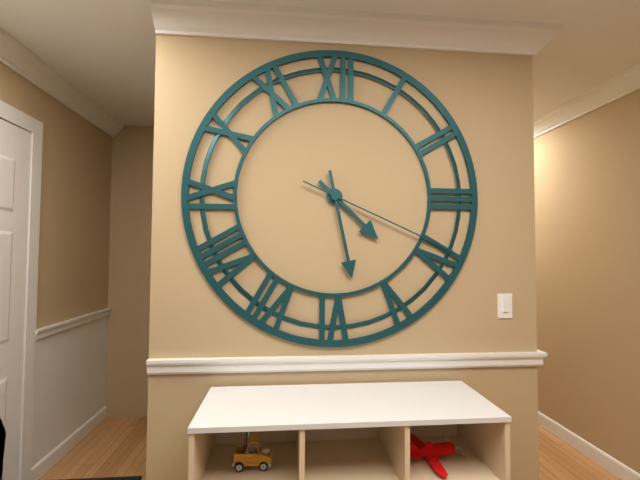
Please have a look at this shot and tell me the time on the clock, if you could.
4:28:19
